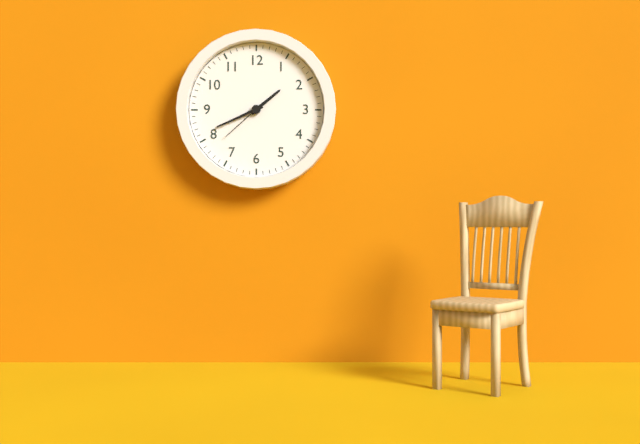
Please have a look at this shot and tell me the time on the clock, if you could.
1:41:38
